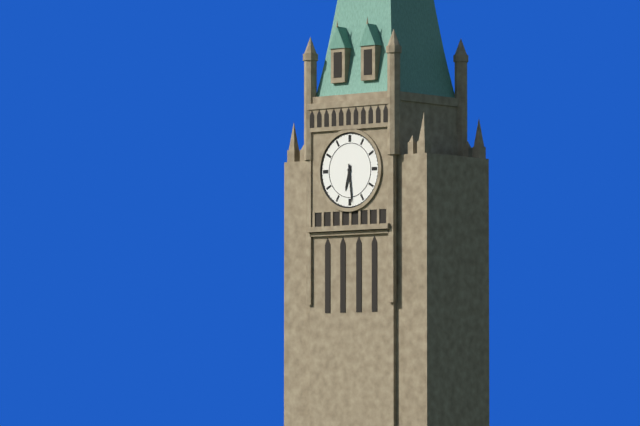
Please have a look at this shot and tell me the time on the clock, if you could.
6:29
